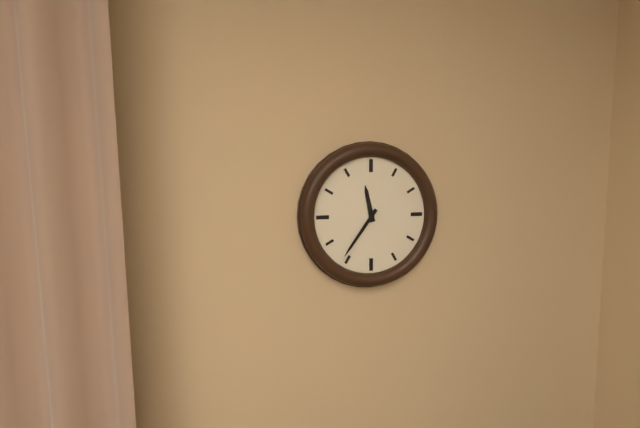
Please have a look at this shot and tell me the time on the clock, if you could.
11:36
